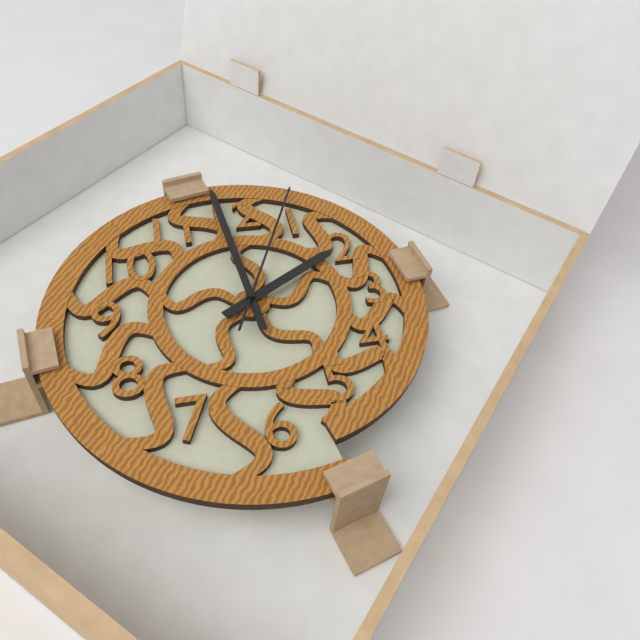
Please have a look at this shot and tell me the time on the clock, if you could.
1:59:04
